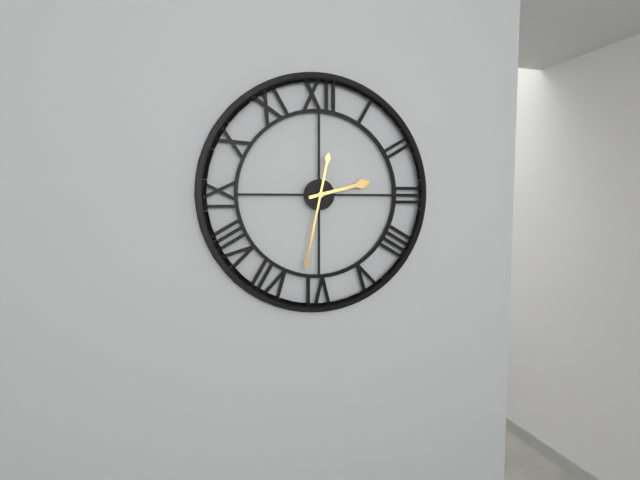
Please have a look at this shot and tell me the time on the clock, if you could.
2:32
